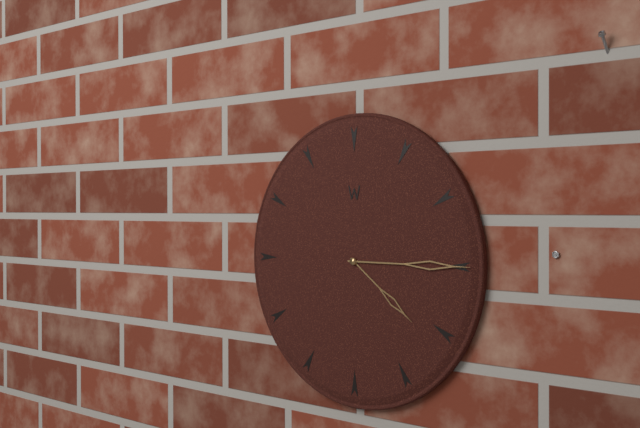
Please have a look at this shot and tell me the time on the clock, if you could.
4:15
